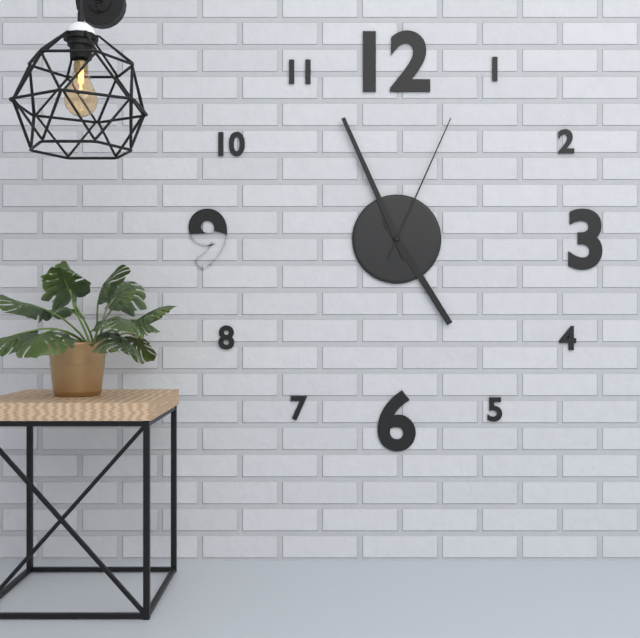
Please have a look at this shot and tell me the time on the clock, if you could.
4:56:04
